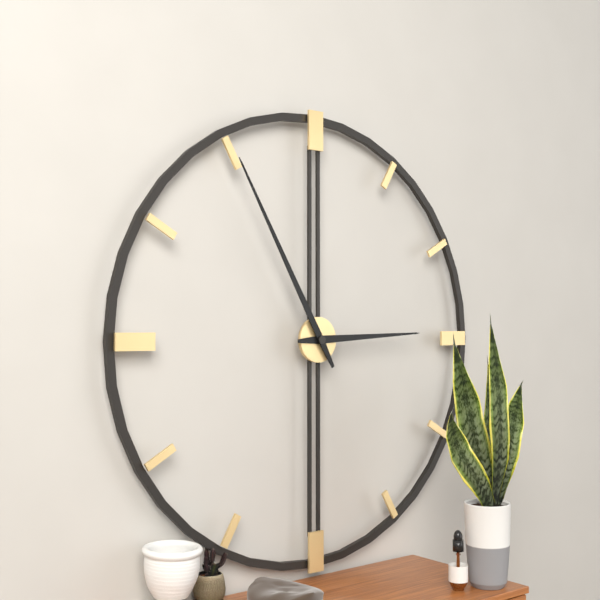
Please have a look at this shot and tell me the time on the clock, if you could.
2:55
